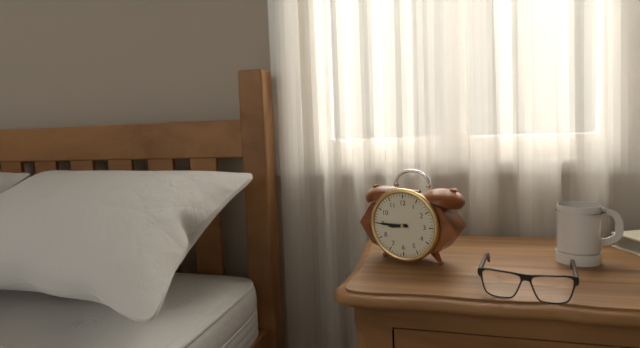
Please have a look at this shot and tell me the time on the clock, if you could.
8:45
